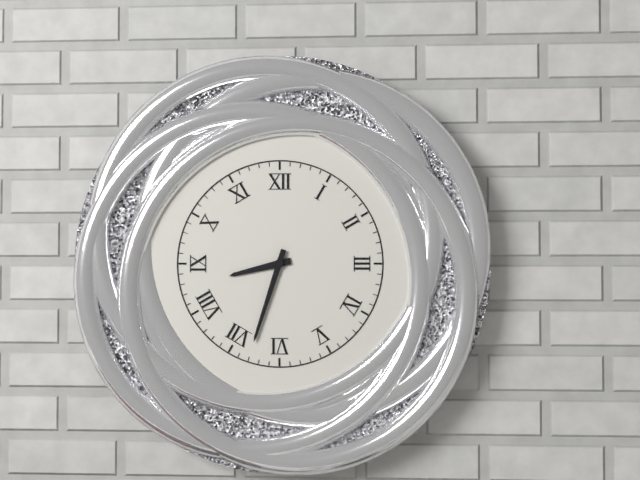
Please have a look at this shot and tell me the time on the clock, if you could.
8:33
